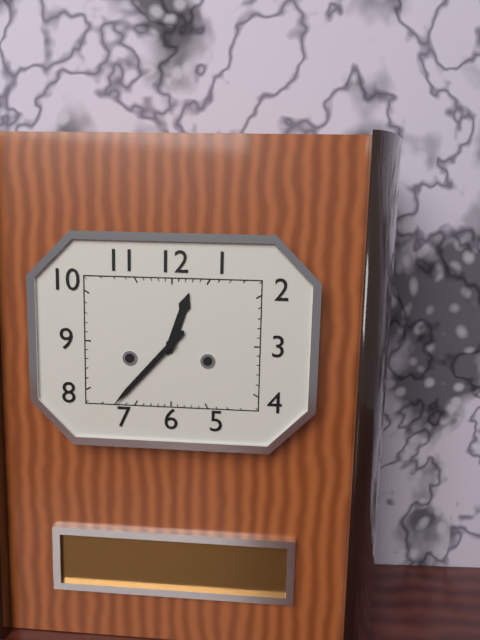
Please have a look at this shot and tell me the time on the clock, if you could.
12:37
